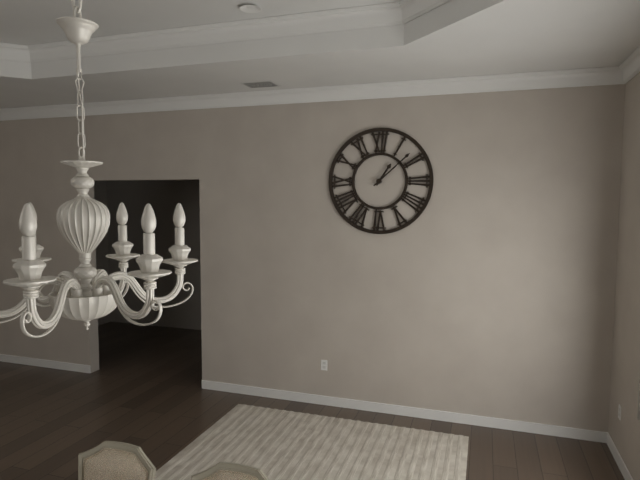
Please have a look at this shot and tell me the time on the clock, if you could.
1:08
